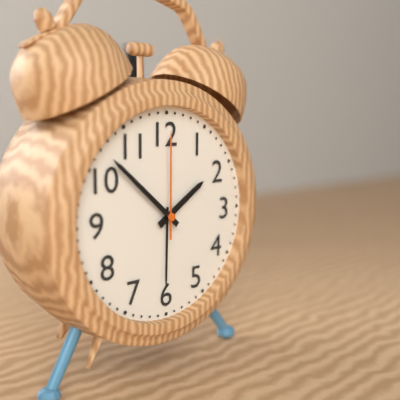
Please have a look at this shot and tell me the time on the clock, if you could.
1:52:00
